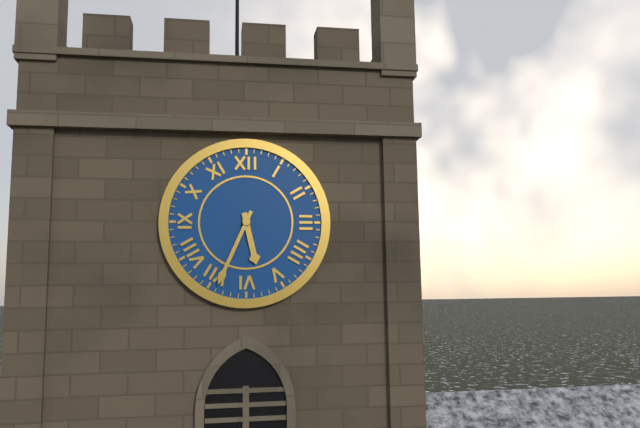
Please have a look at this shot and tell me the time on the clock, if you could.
5:34
